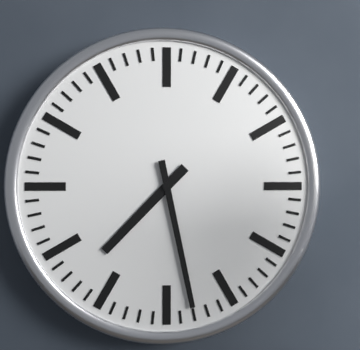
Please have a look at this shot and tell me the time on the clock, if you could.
7:28
